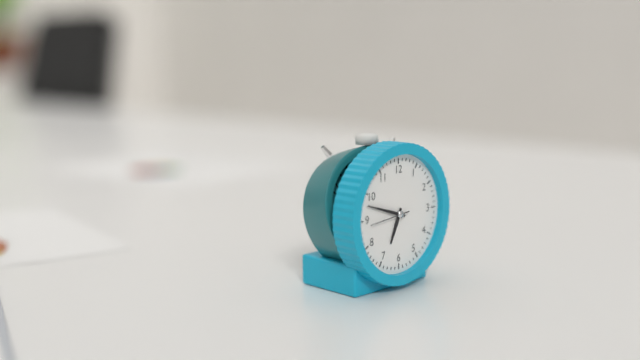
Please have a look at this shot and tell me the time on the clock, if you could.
6:48
